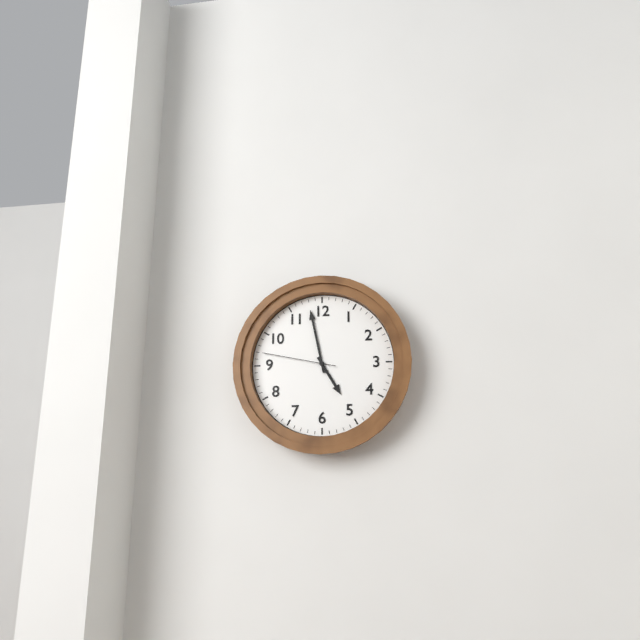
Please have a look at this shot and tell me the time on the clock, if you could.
4:58:47
